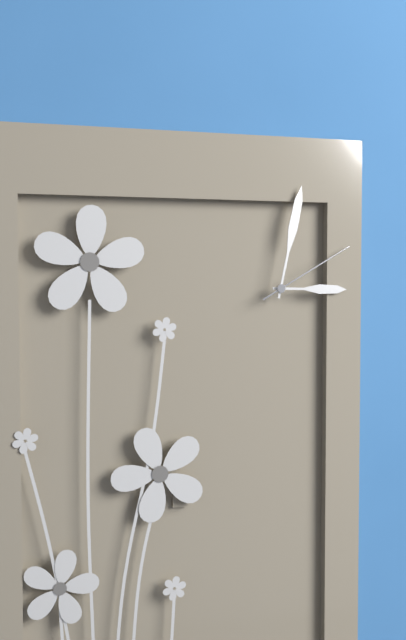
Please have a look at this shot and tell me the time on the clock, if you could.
3:02:10
